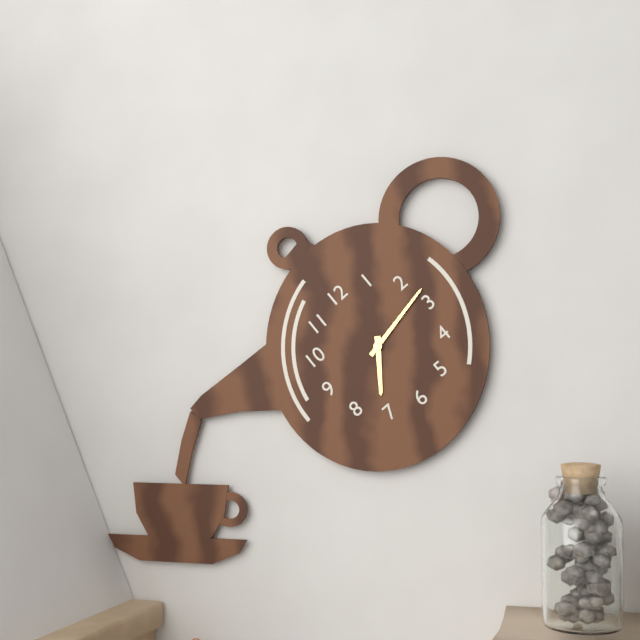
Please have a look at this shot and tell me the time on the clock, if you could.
7:13
